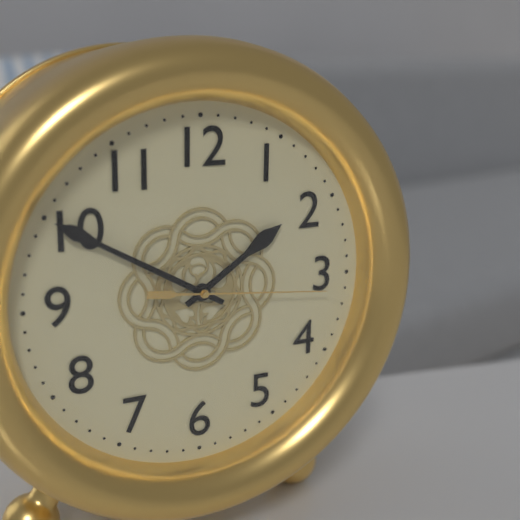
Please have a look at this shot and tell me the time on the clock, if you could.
1:50:16
